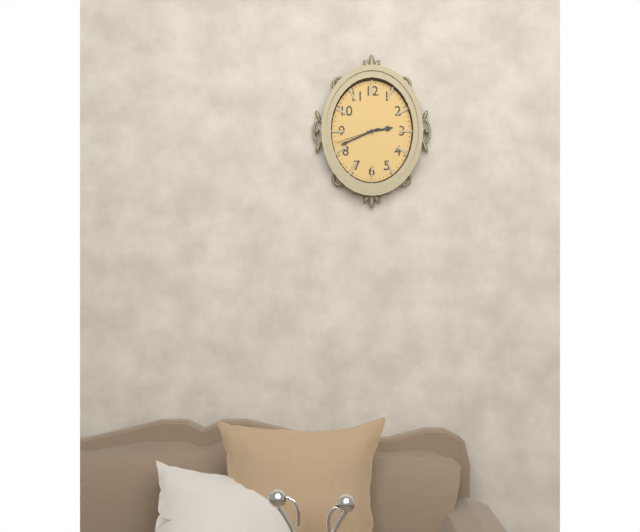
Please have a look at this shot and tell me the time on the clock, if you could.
2:41
